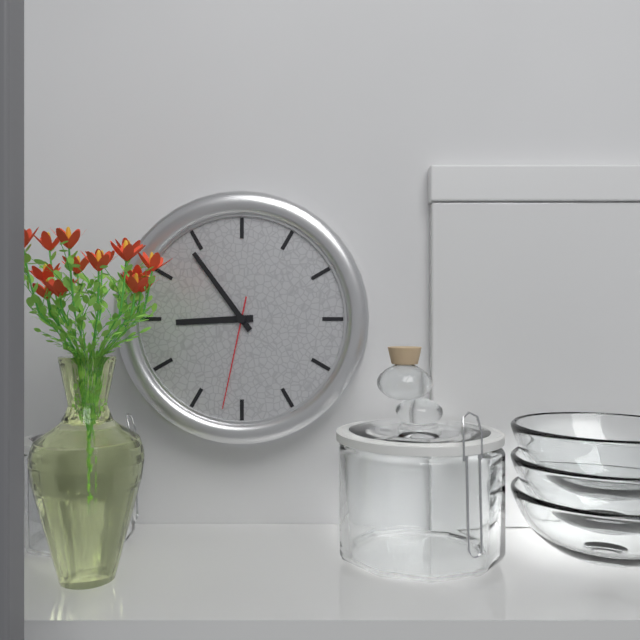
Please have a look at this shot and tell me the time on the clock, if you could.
8:54:32
